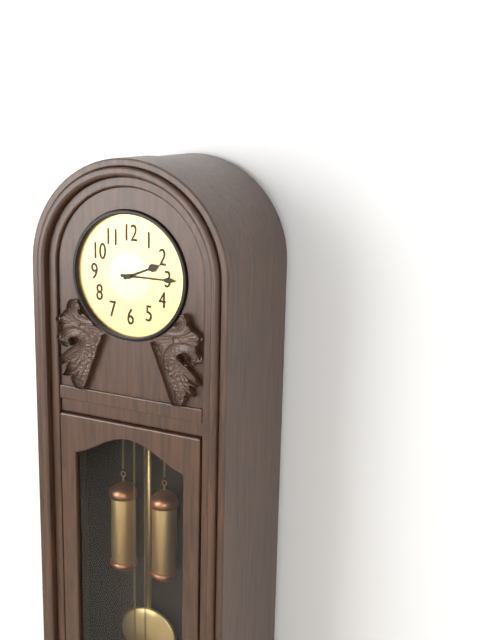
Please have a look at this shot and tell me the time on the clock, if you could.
2:15
